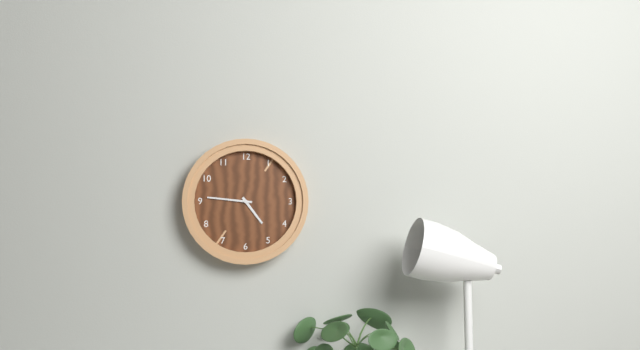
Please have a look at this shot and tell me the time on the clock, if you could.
4:46
